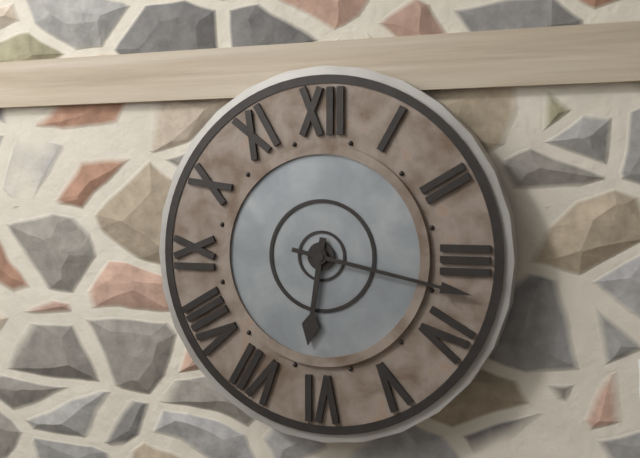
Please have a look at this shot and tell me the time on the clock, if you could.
6:17
